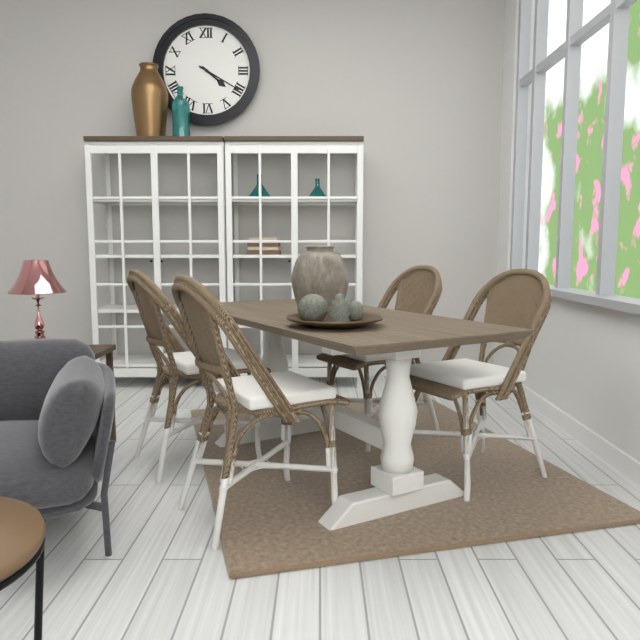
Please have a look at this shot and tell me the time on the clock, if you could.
4:20
